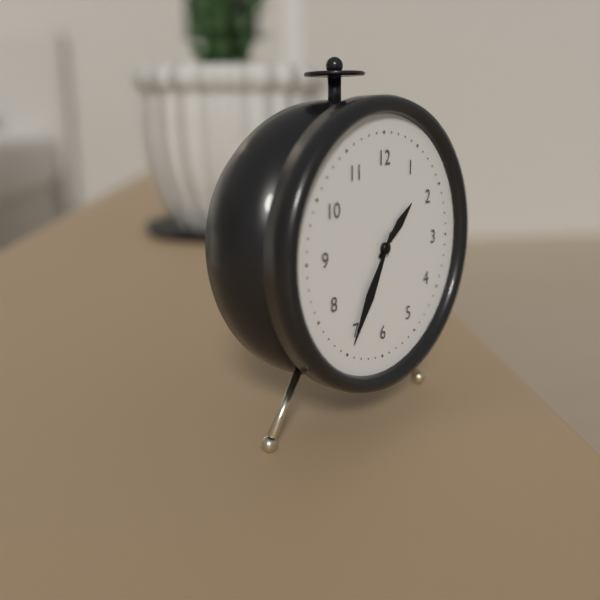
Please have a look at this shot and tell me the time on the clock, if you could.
1:35
